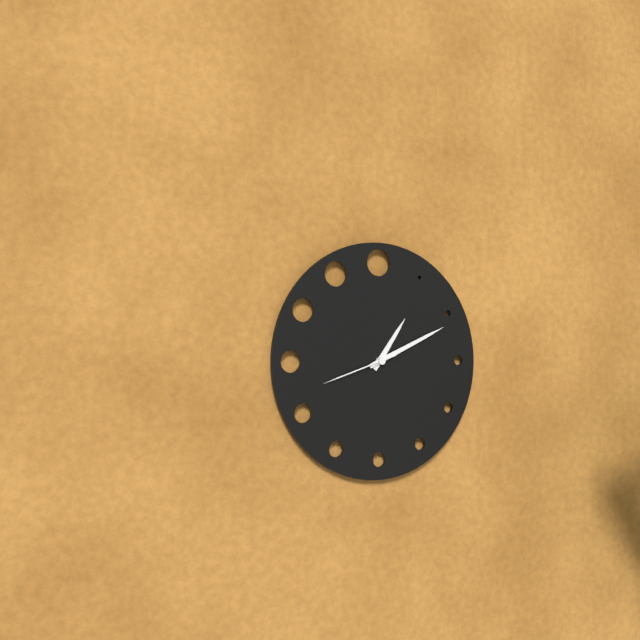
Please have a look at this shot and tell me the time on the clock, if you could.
1:11:42
